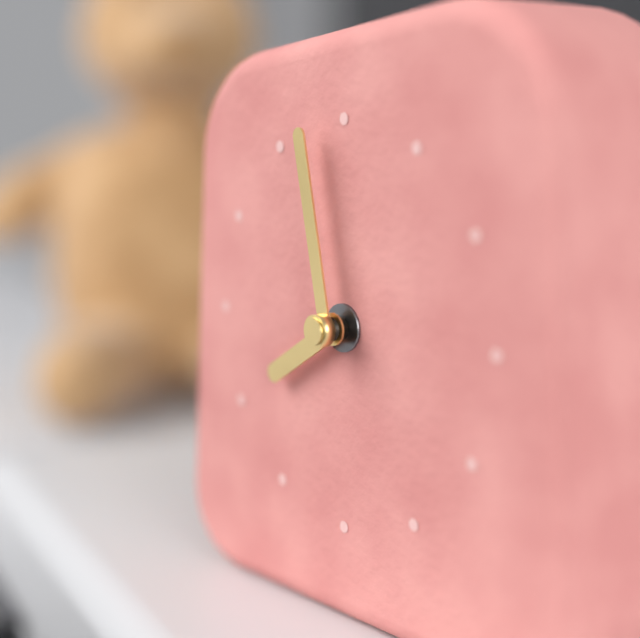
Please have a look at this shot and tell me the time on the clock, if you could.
7:58
